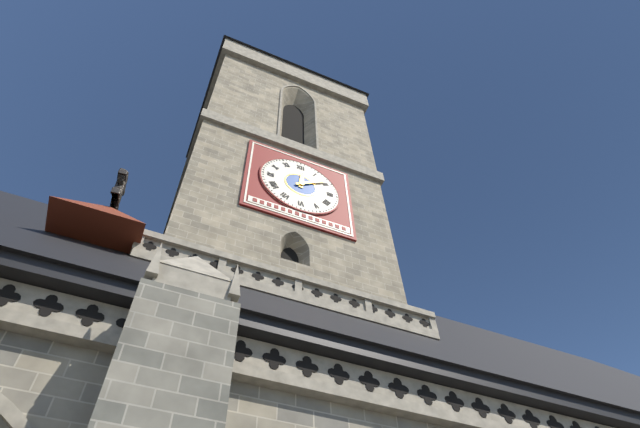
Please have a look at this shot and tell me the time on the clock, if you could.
12:09
